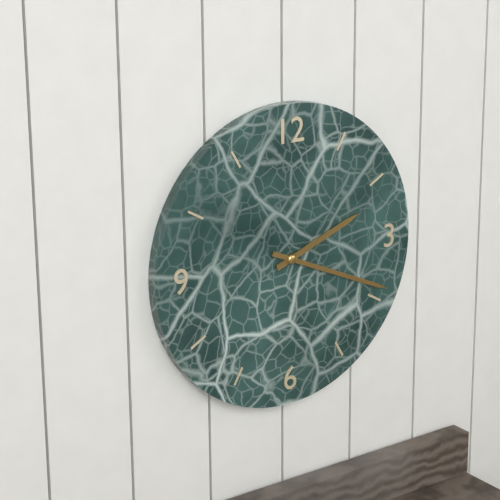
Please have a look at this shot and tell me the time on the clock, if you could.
2:19
